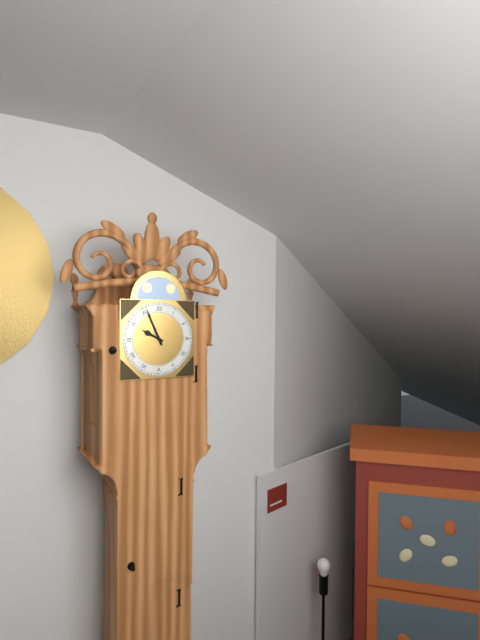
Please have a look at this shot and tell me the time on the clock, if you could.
9:56
